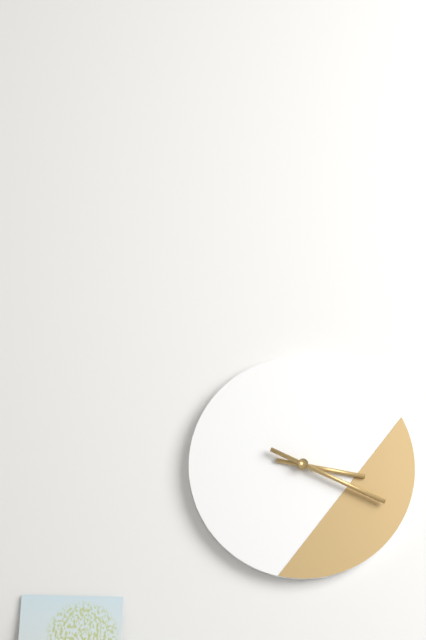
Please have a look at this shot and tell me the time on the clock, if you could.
3:19
